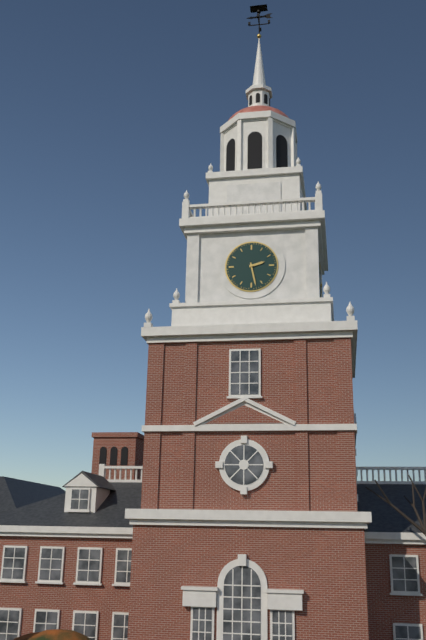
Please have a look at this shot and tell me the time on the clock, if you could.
2:28
